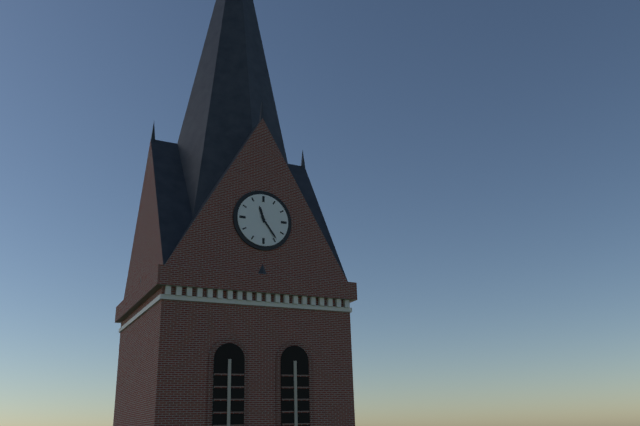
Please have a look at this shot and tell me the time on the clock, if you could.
11:24
